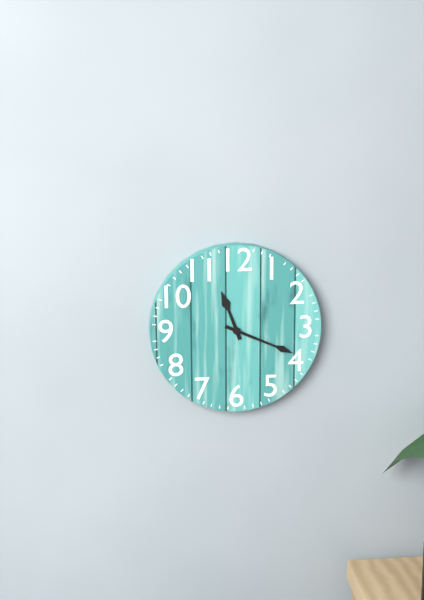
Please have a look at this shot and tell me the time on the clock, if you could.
11:19
